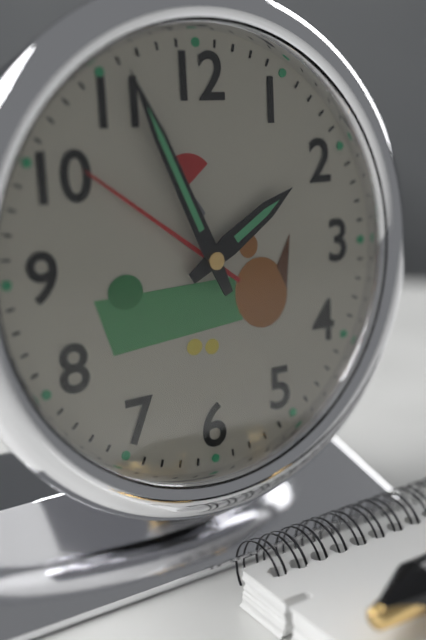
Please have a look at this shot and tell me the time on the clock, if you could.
1:56
